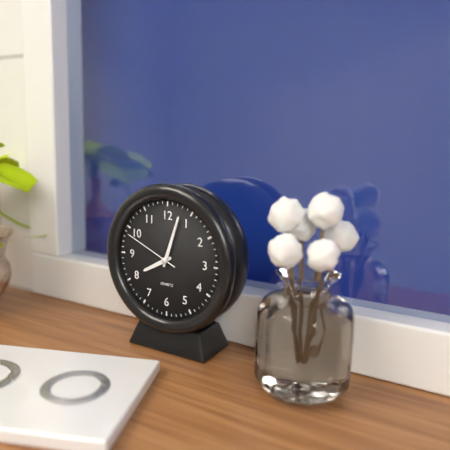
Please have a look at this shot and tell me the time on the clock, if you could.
8:03:49
